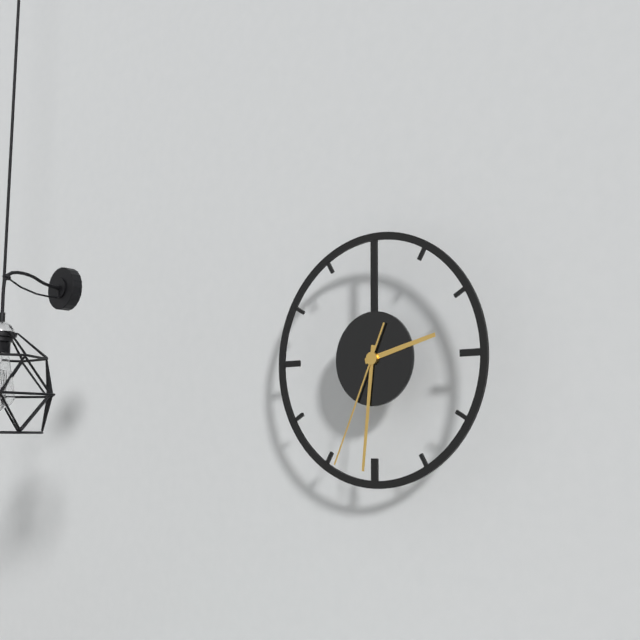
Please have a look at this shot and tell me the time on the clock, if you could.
2:31:34
